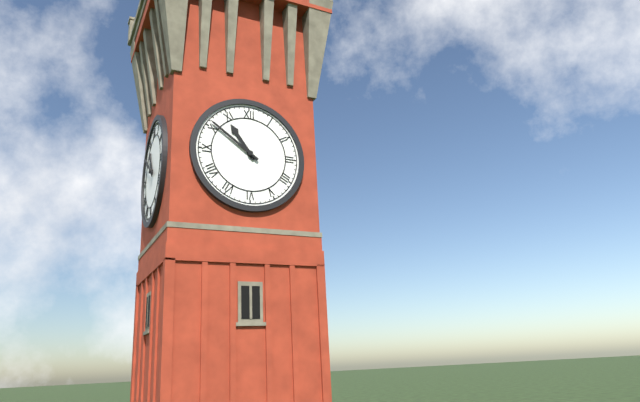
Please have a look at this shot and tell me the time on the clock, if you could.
10:51
